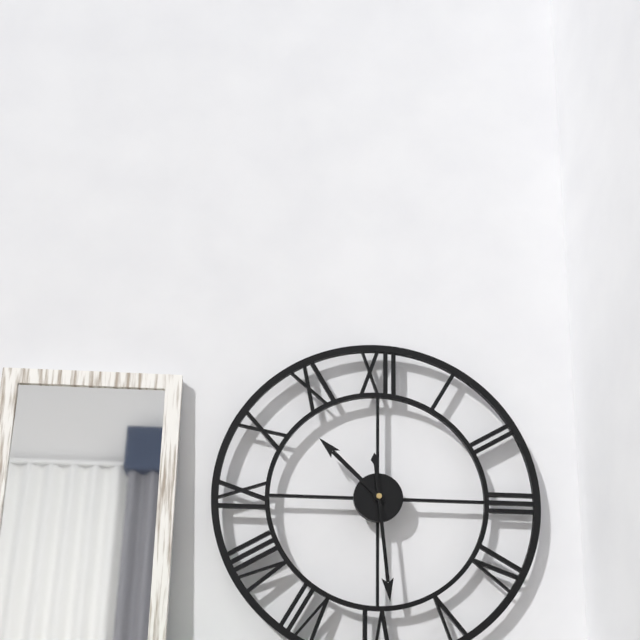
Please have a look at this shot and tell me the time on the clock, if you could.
10:29
